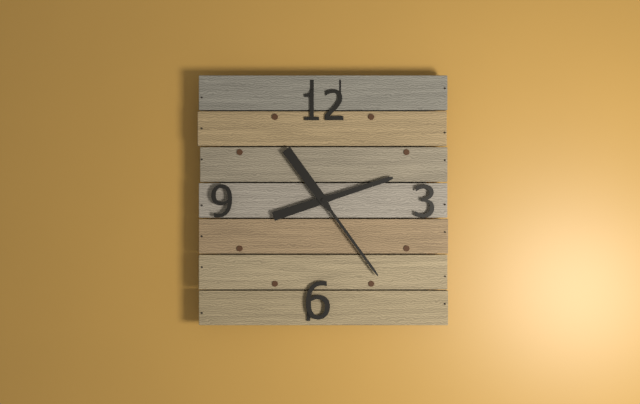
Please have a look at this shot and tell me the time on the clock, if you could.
2:24
